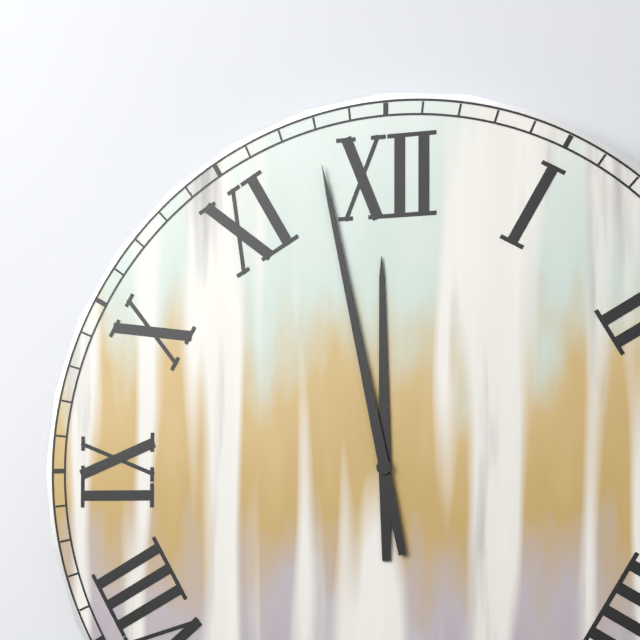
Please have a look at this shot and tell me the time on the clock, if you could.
11:58
